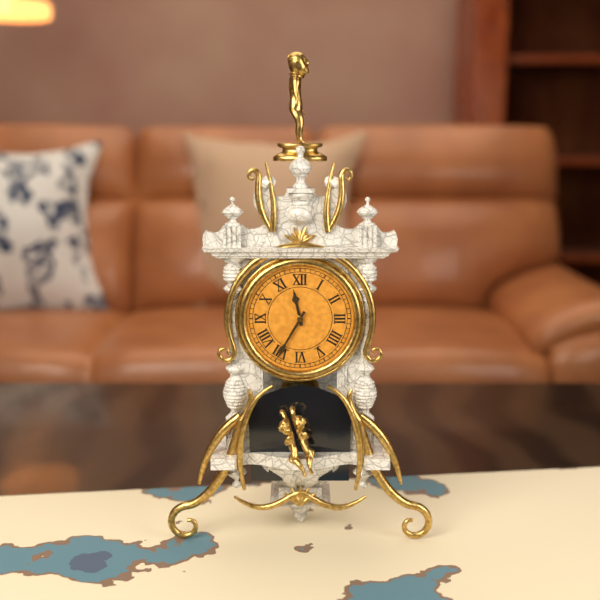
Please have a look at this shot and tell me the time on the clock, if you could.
11:35
